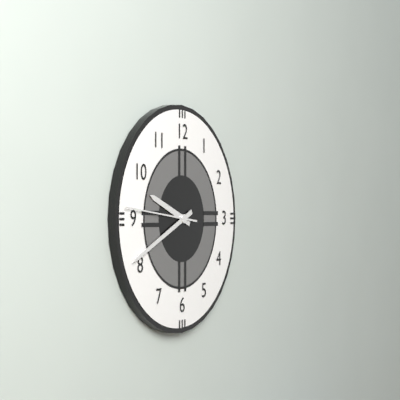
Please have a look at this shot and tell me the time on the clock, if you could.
9:41:46
